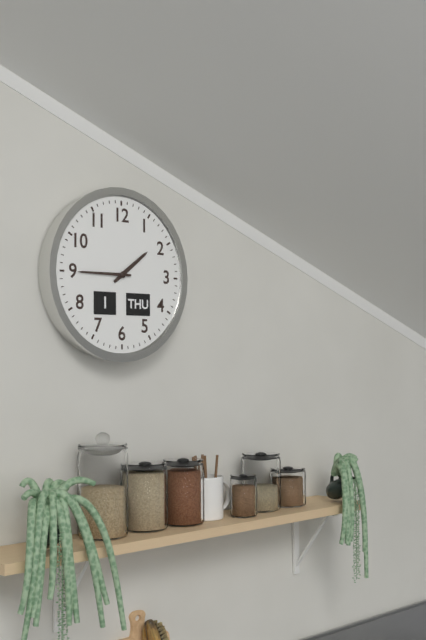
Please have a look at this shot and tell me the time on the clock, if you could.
1:45
